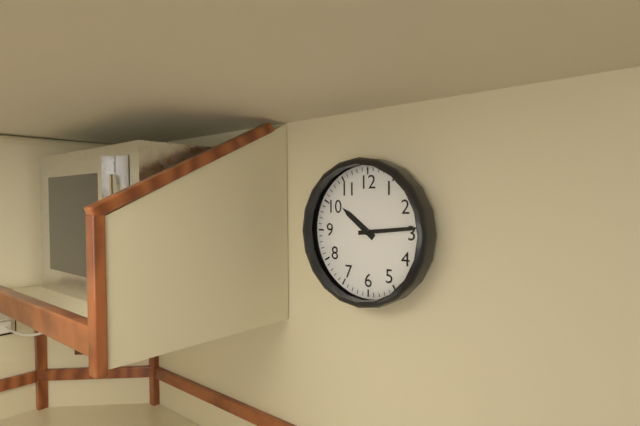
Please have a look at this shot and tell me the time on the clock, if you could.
10:14
